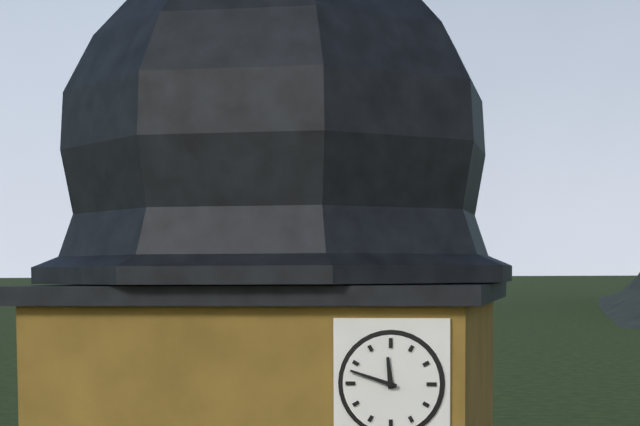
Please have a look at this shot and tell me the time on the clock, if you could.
11:48
